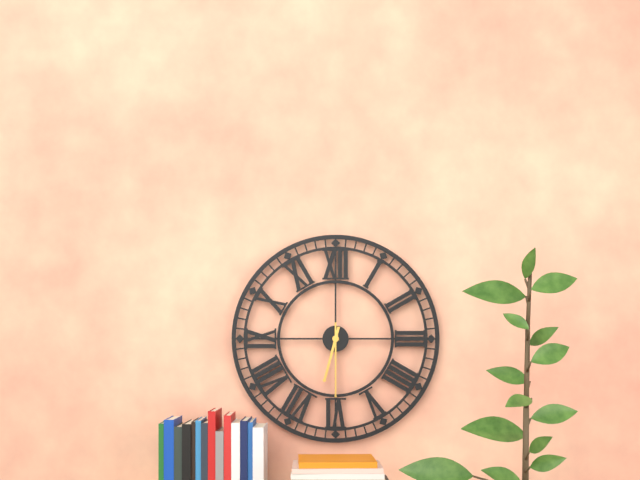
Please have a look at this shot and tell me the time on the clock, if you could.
6:30
